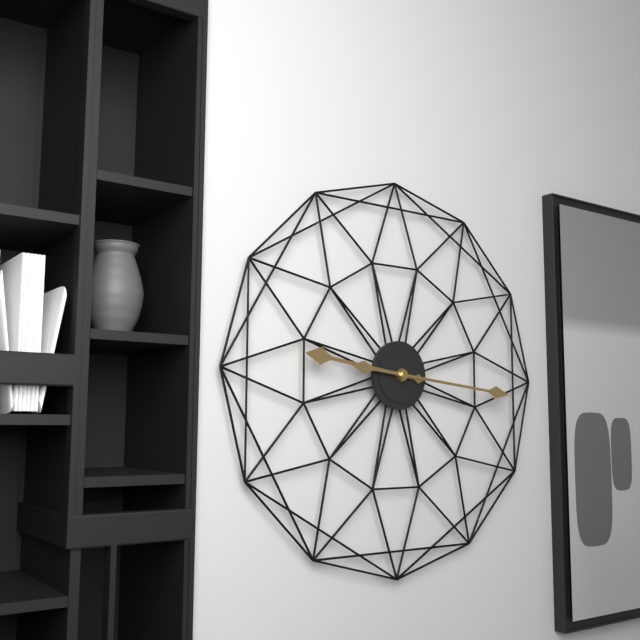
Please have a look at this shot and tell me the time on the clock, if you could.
9:16
